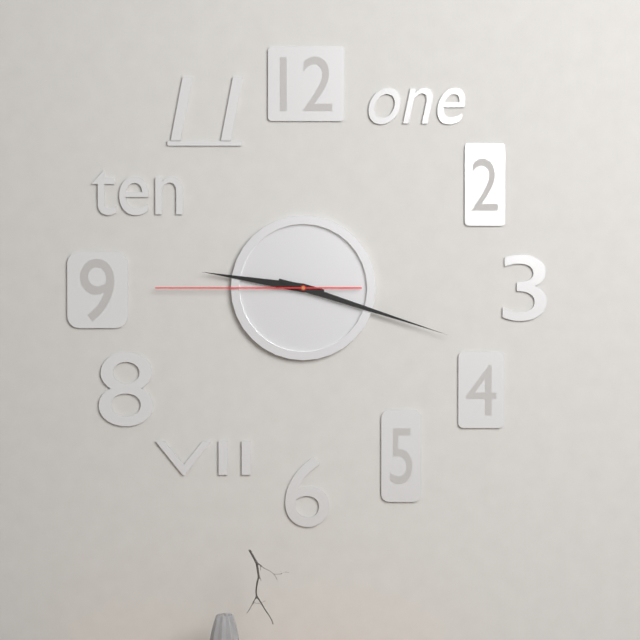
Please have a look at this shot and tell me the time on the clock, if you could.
9:18:45
